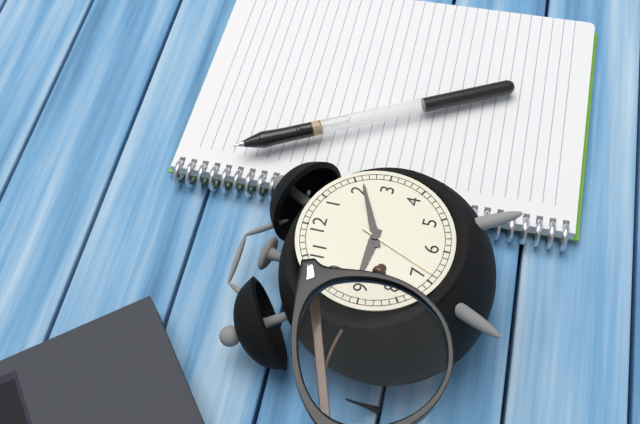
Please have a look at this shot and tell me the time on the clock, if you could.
9:11:34
